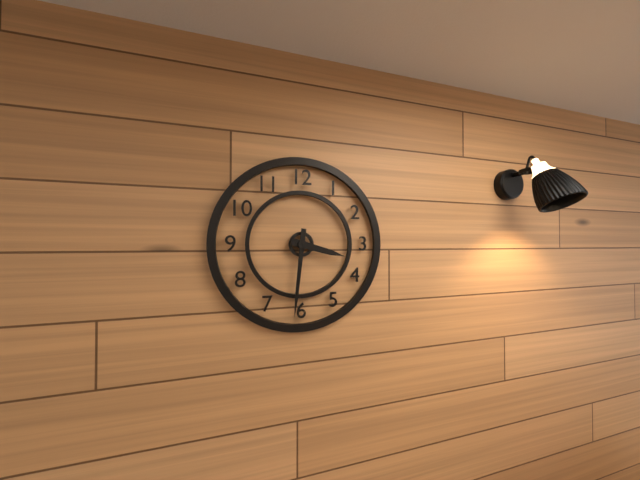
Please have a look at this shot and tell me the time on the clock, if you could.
3:31
